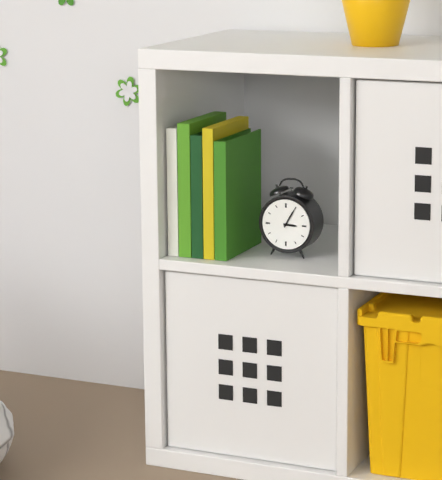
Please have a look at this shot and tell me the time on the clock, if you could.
3:05
